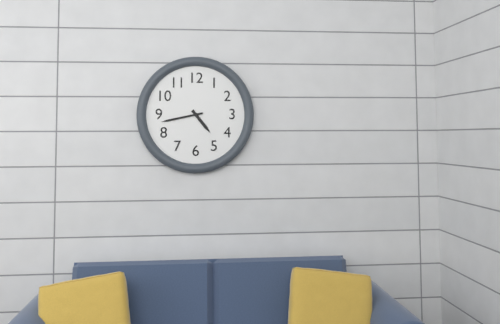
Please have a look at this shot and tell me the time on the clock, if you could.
4:43
